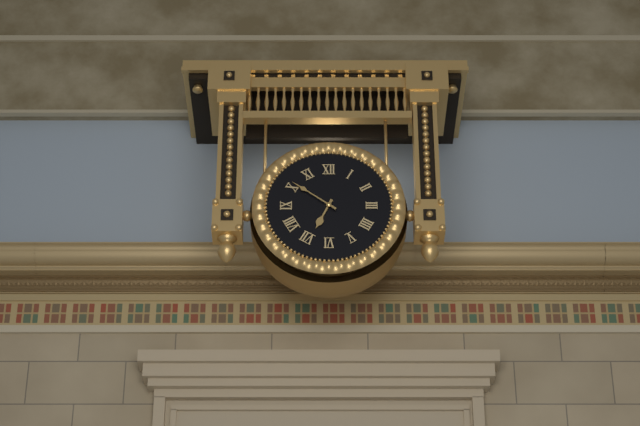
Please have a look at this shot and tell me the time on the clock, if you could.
6:51
